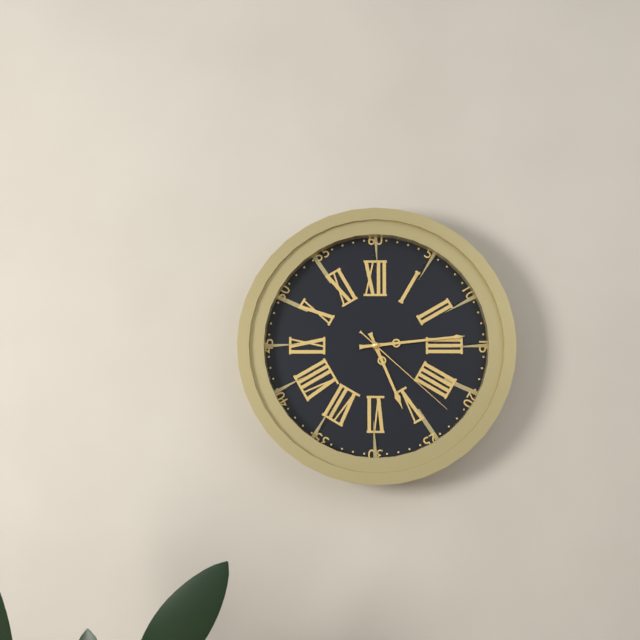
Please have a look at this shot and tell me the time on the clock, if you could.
5:14:22
